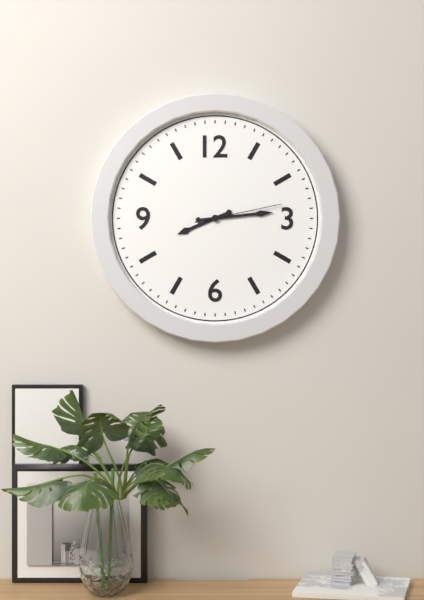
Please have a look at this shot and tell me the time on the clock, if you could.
8:14:13
